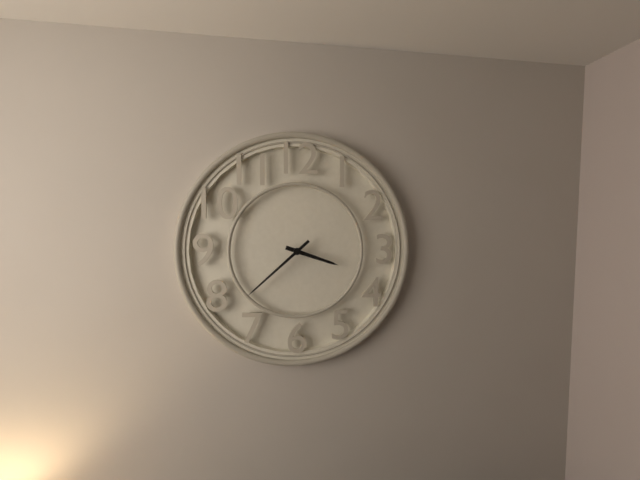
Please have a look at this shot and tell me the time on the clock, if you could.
3:38
